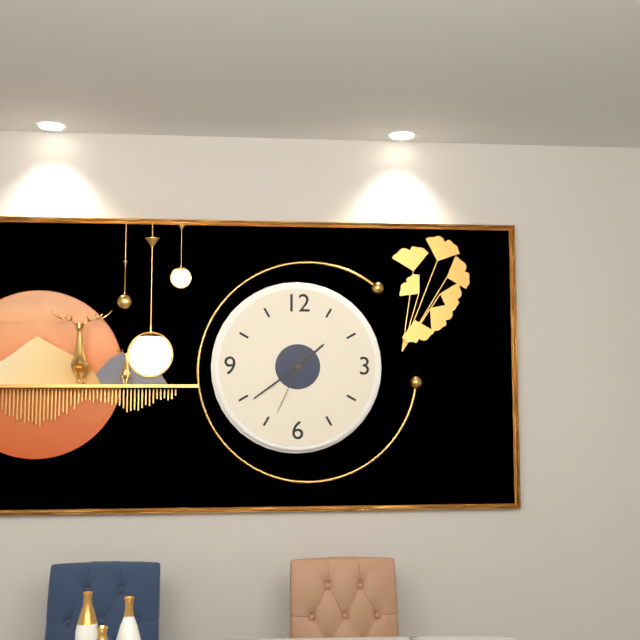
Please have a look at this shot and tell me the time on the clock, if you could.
1:39:34
